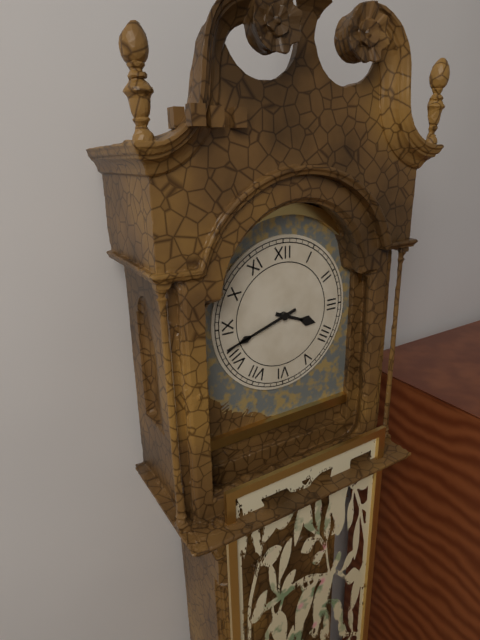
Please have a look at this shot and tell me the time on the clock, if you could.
3:42
